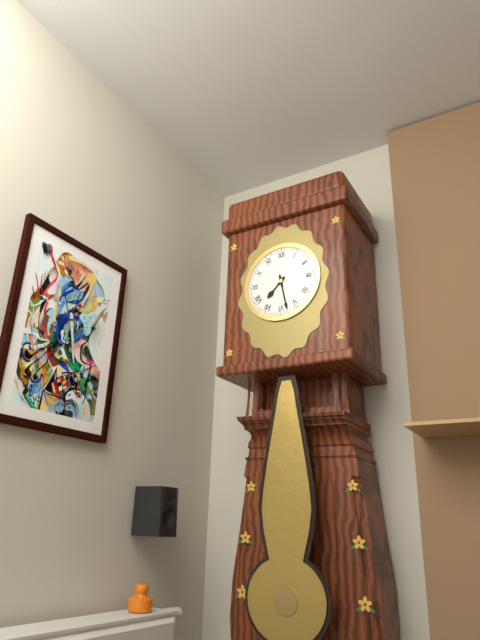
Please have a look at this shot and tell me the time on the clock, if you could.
7:28
